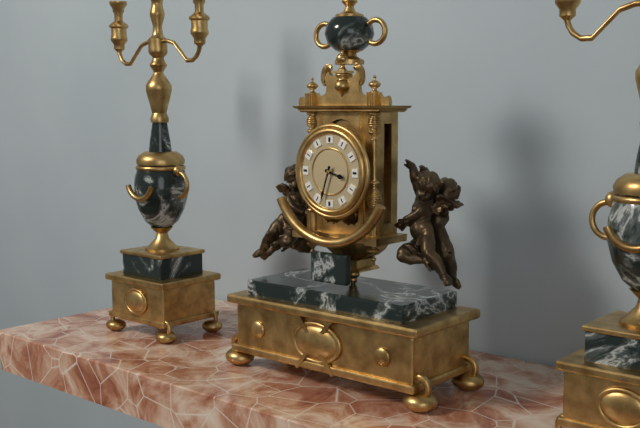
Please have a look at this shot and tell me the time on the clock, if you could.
3:33
